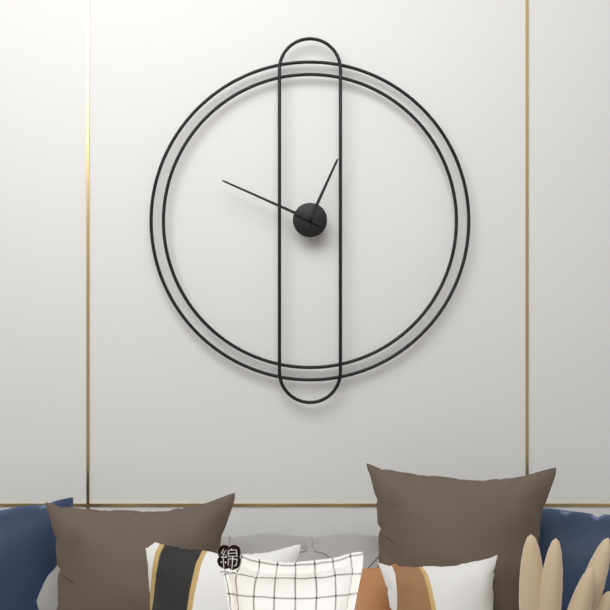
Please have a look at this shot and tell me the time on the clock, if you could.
12:49
